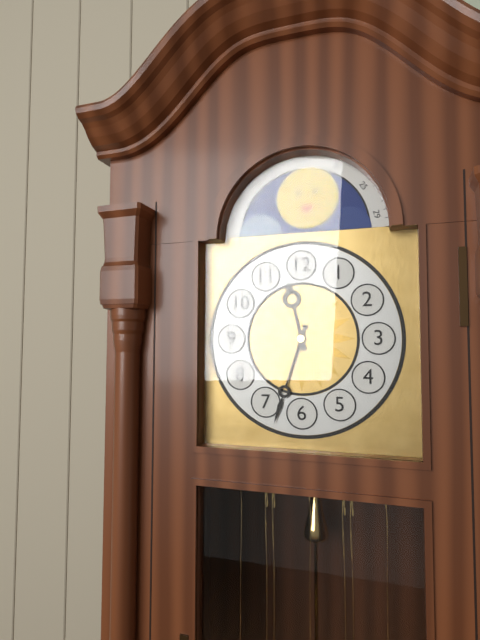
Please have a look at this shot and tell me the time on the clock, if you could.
11:33
